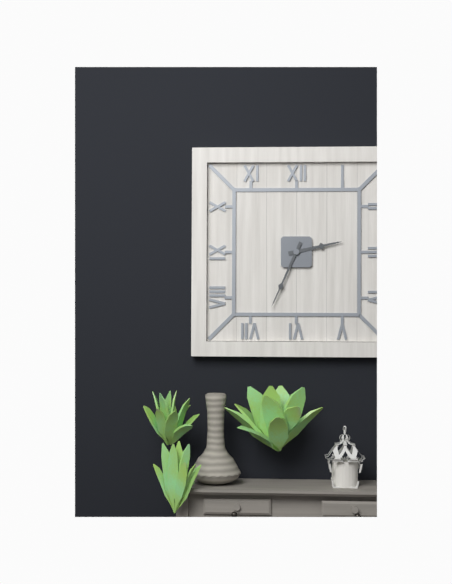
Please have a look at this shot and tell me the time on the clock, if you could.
2:34
